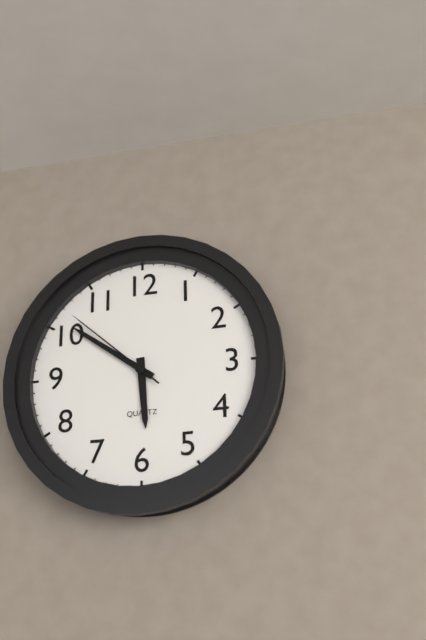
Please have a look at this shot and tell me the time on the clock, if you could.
5:51:52
